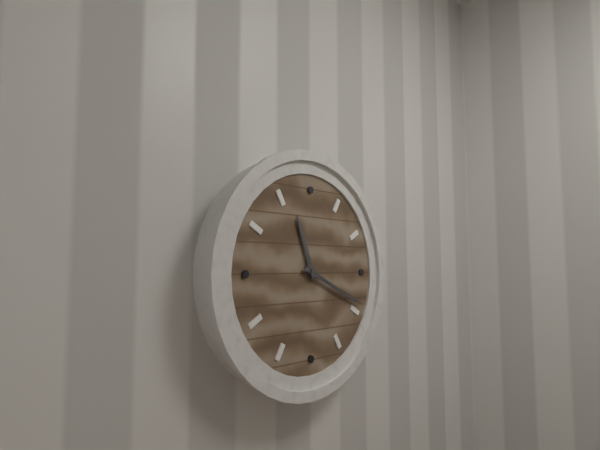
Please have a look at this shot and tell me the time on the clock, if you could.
11:19
